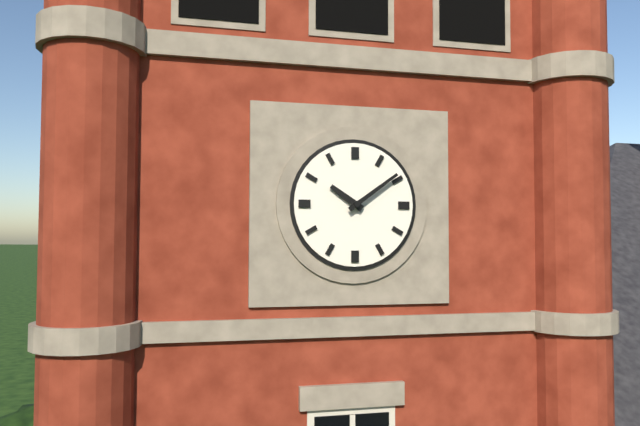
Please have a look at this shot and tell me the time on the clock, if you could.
10:09
